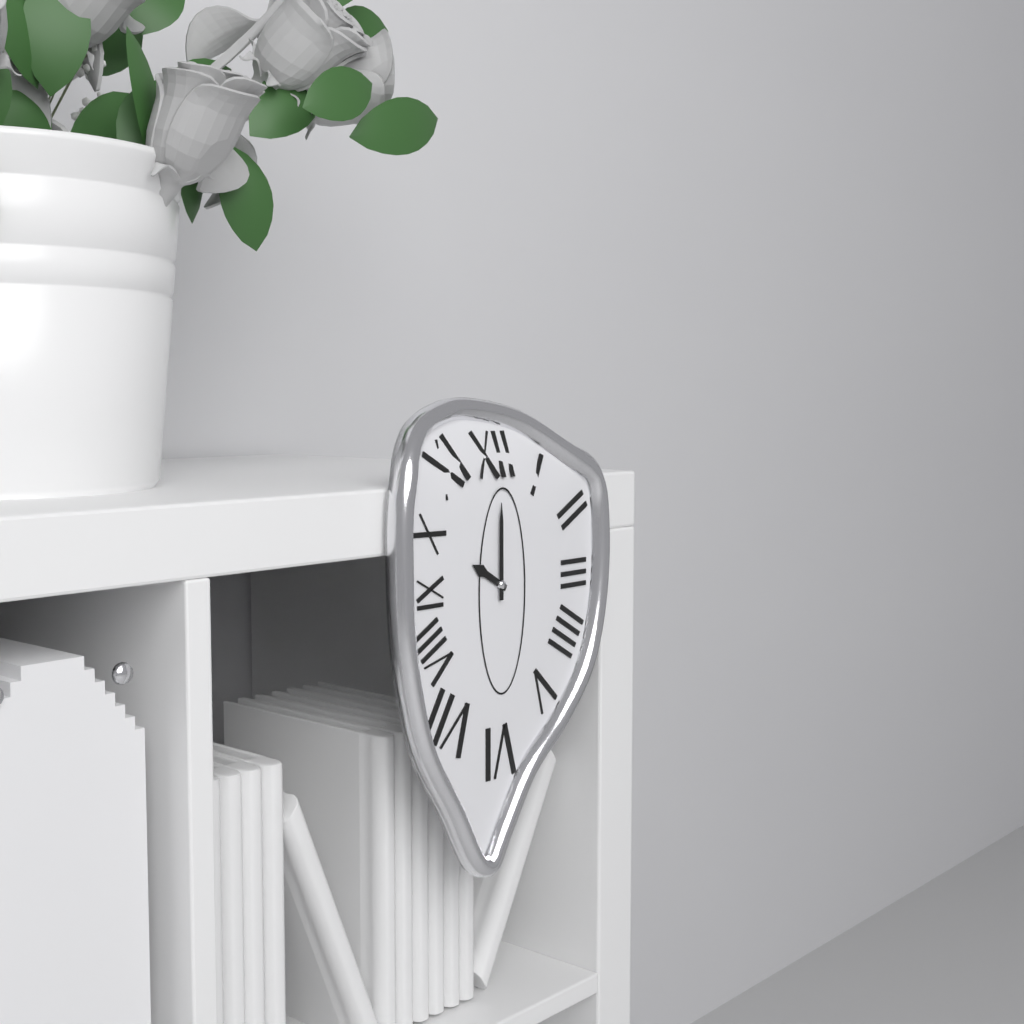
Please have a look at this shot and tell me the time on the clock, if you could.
10:00
